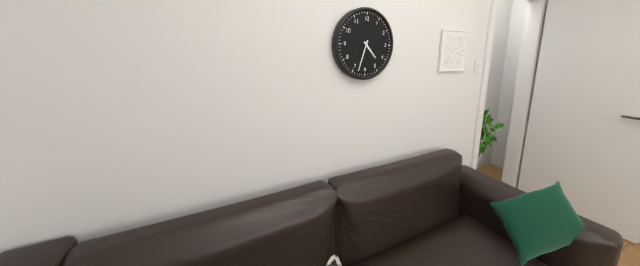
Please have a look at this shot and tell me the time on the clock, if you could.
4:33
